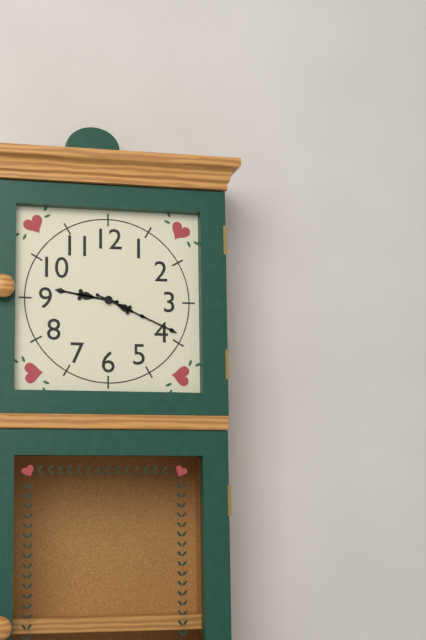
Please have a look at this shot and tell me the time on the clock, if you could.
9:19
